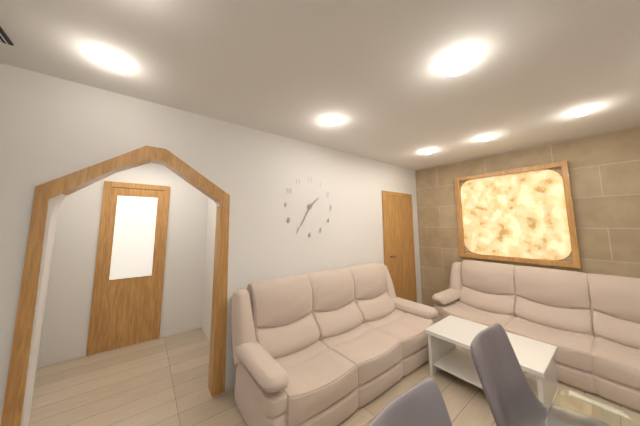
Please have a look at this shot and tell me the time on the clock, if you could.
1:35
